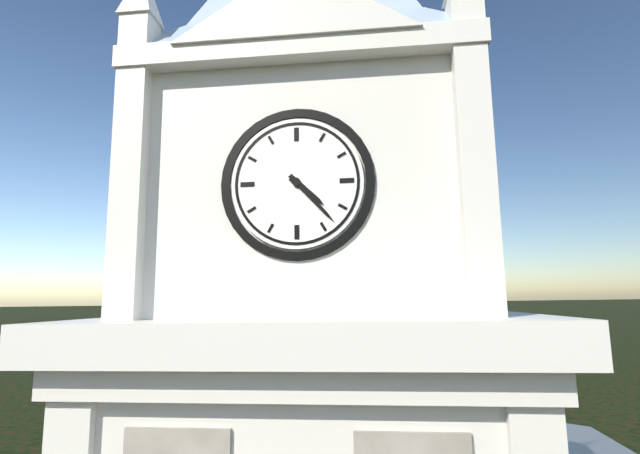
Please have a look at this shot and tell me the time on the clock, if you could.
4:23
